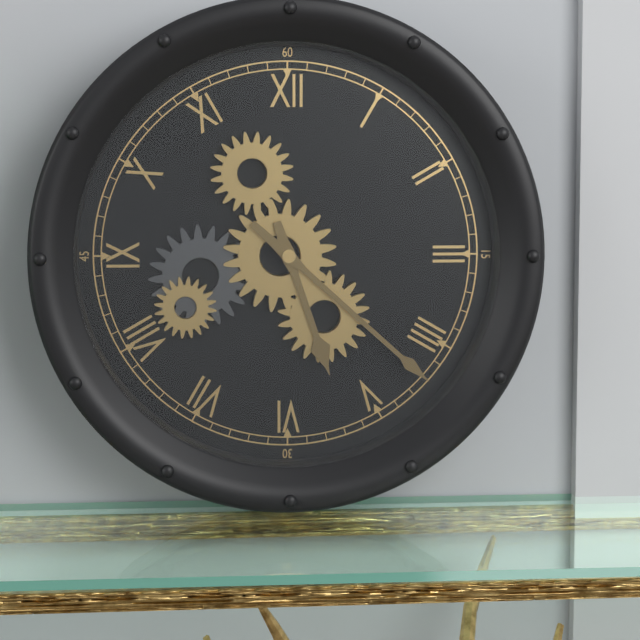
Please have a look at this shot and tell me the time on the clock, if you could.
5:22
